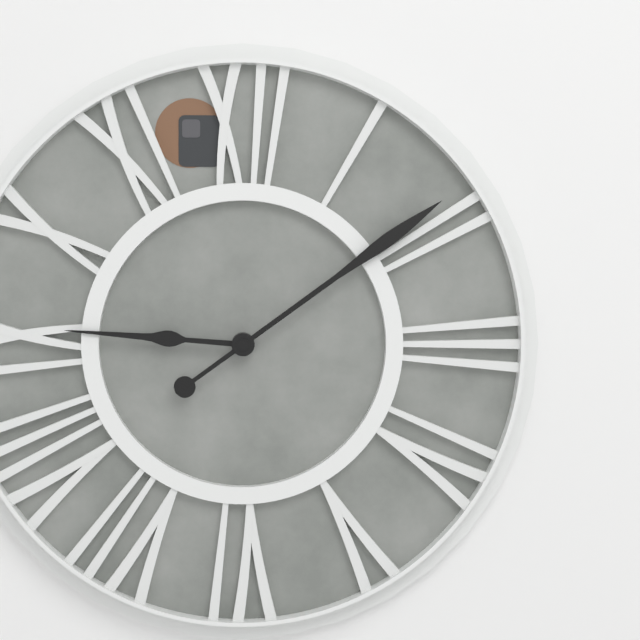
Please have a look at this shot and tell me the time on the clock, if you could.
9:09
